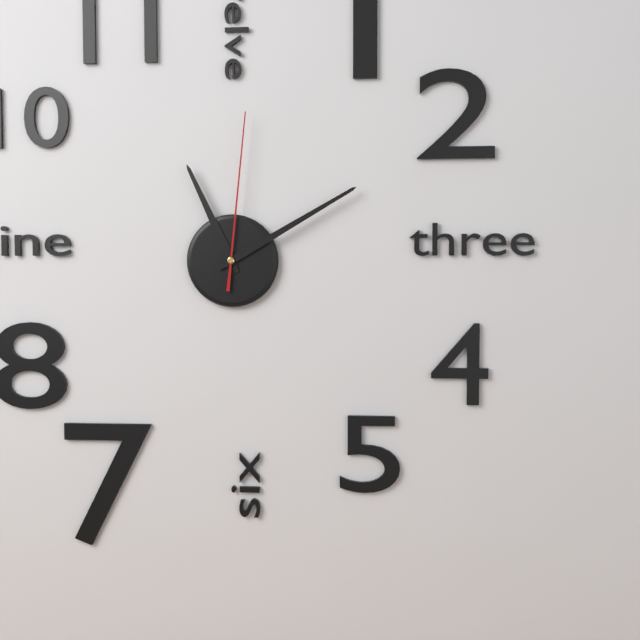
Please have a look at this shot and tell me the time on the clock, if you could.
11:10:01
